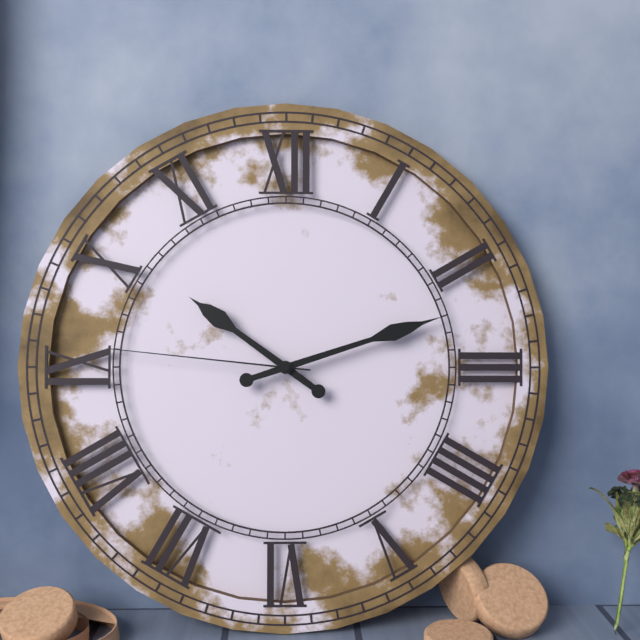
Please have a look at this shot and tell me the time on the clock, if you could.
10:12:46
